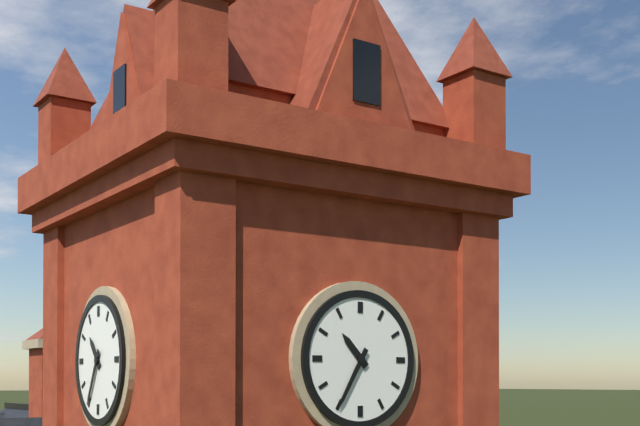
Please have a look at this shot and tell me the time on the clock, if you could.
10:35
